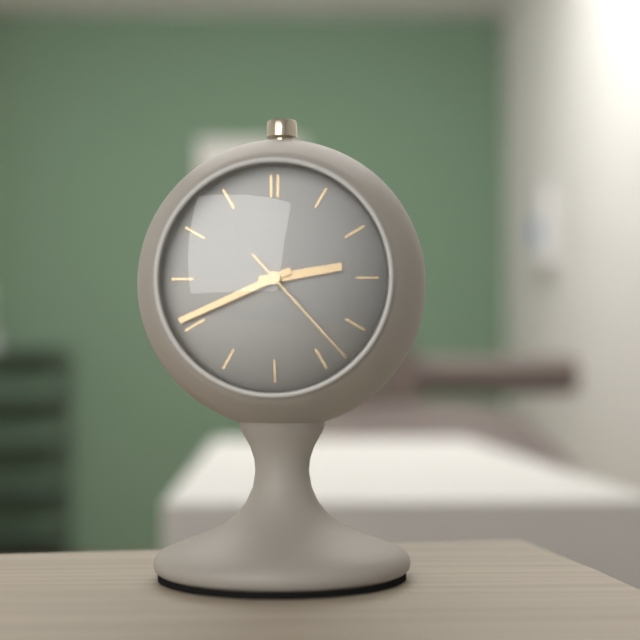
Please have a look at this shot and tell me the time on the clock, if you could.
2:41:23
